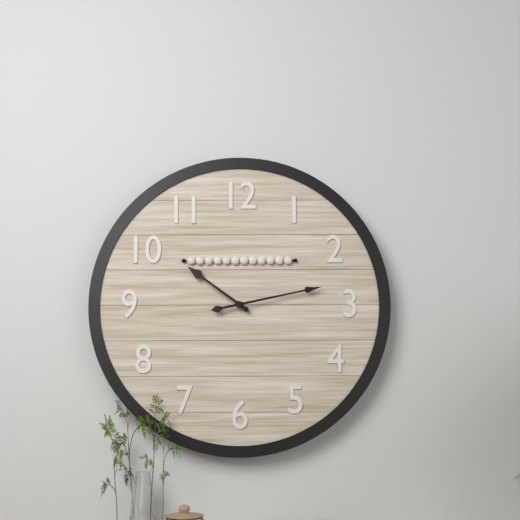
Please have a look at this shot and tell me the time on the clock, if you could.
10:13
